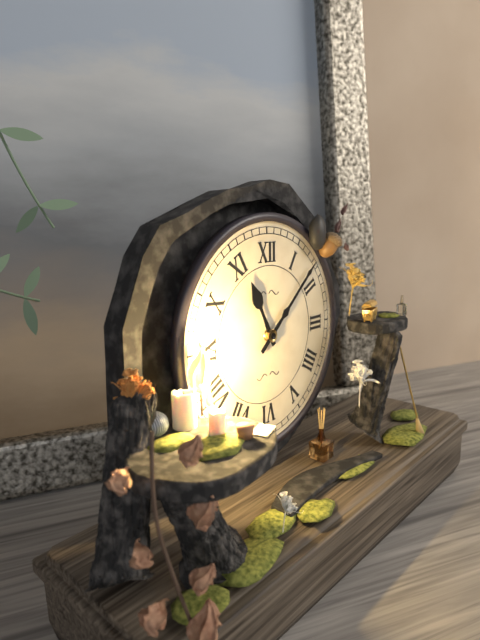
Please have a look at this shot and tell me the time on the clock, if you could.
11:08
